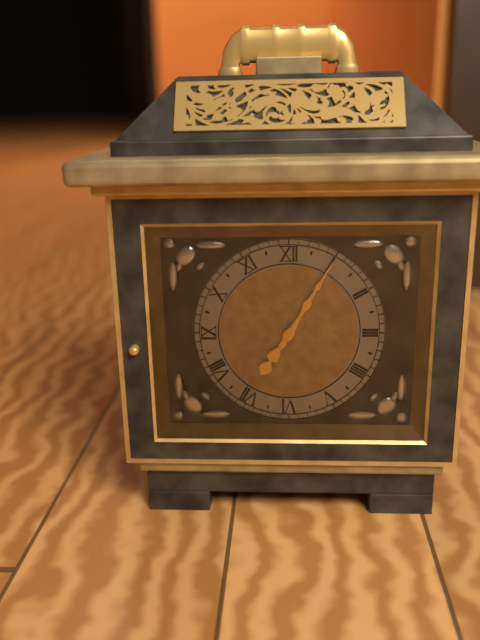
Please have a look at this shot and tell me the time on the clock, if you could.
7:05
